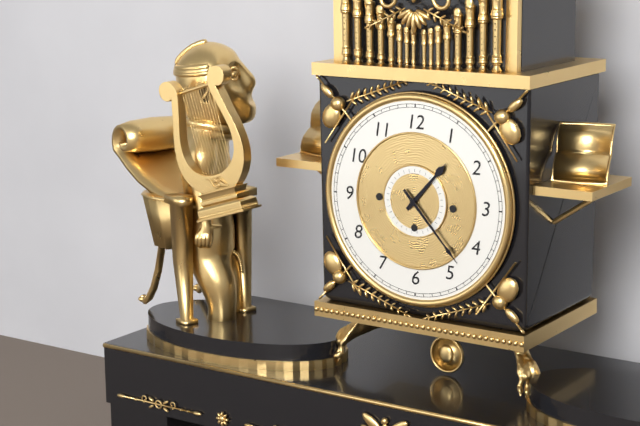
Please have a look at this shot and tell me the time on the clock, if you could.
1:23
